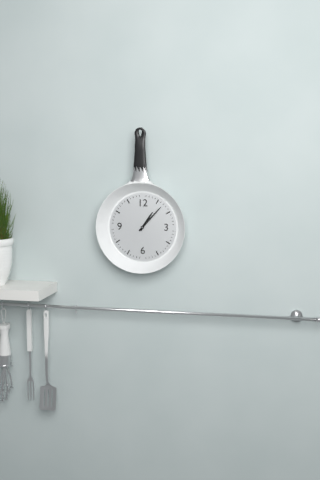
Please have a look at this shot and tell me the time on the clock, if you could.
1:07
